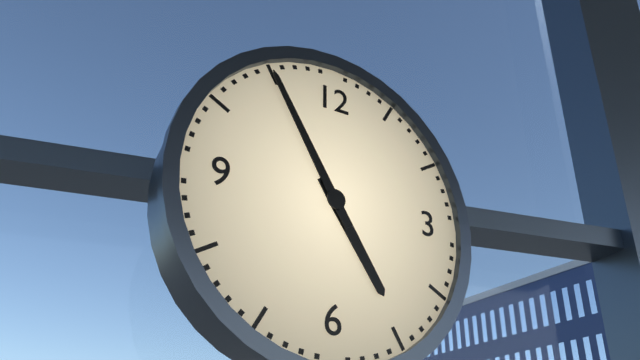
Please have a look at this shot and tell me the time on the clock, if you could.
4:55
